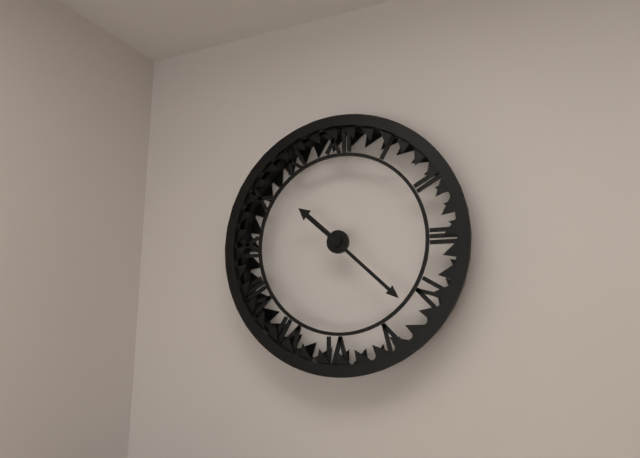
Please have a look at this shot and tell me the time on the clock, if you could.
10:22
